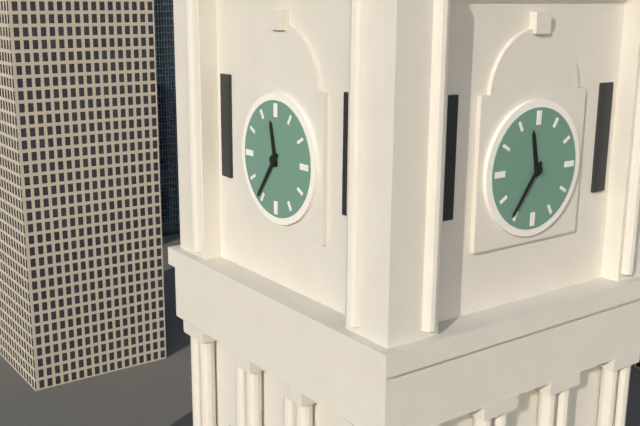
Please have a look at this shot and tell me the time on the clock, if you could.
11:36
